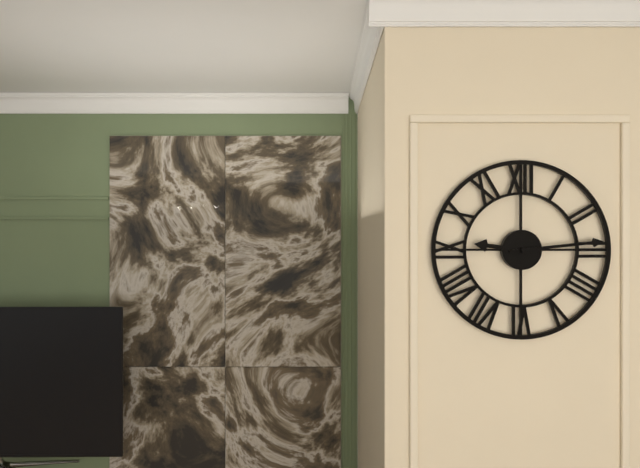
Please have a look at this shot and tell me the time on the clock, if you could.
9:14
